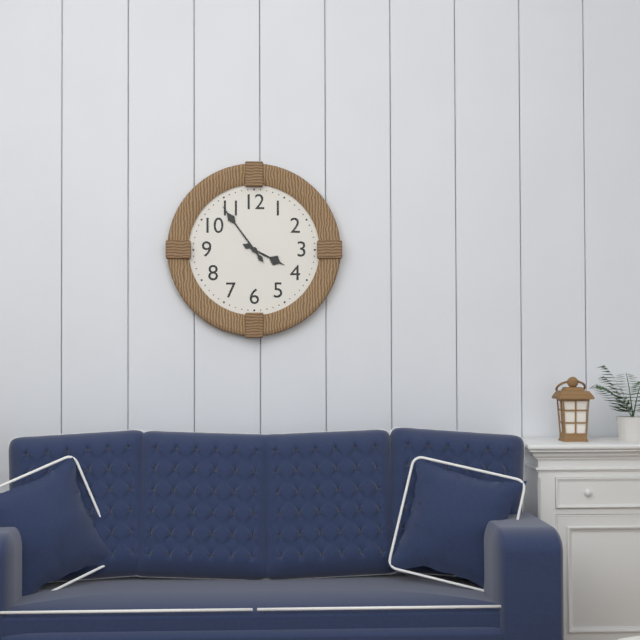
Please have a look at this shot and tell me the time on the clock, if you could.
3:54
